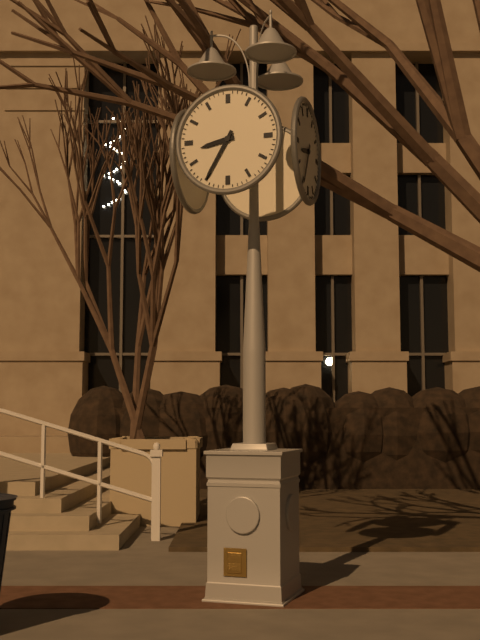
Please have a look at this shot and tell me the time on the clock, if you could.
8:35
